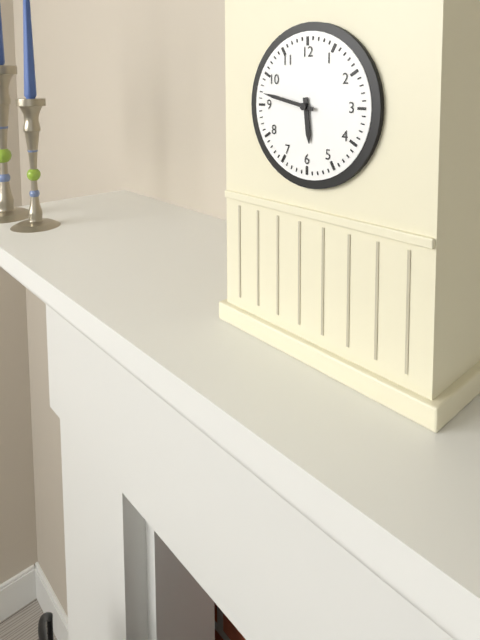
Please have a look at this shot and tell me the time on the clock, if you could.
5:47
